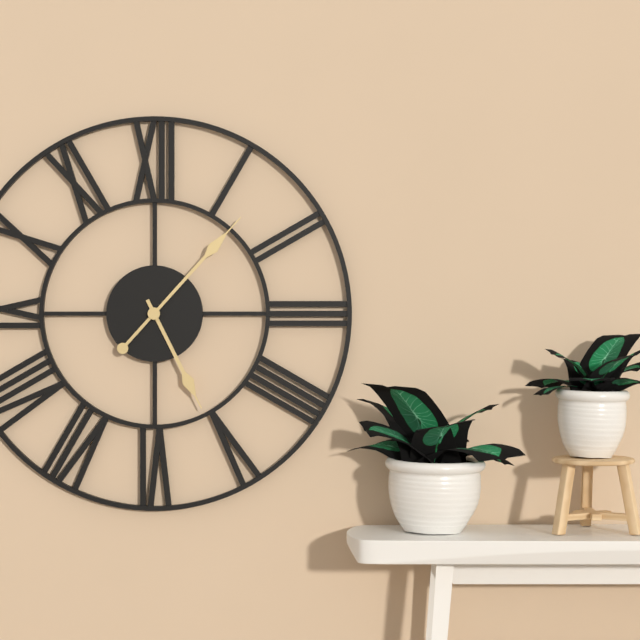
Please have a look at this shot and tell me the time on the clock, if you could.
5:07
